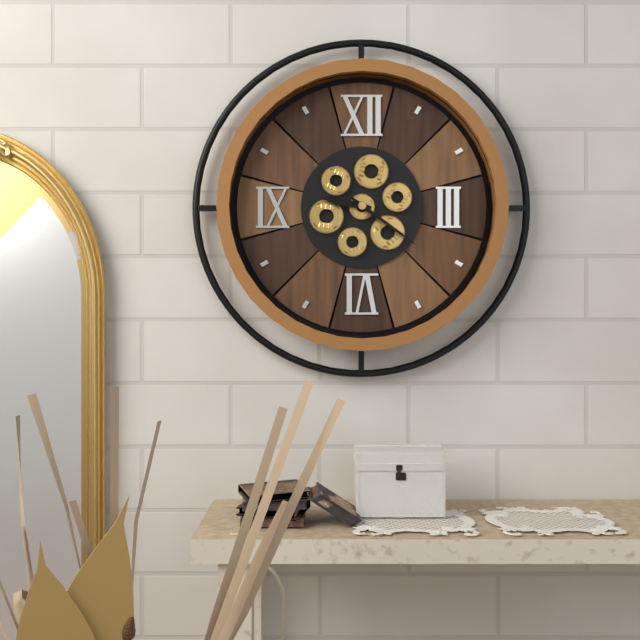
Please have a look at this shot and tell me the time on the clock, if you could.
9:21
